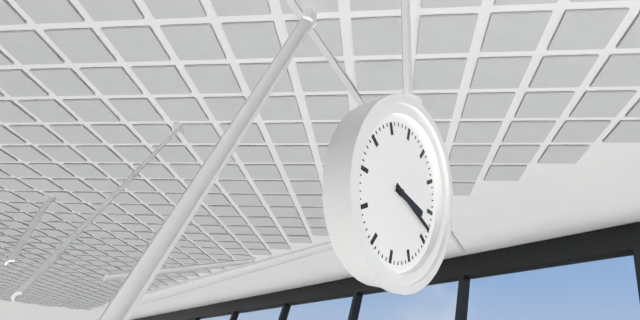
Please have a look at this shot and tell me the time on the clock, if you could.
3:18
